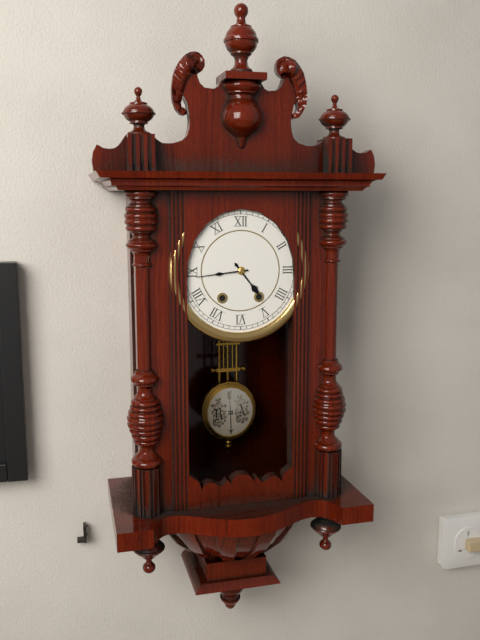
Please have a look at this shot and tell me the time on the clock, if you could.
4:44
